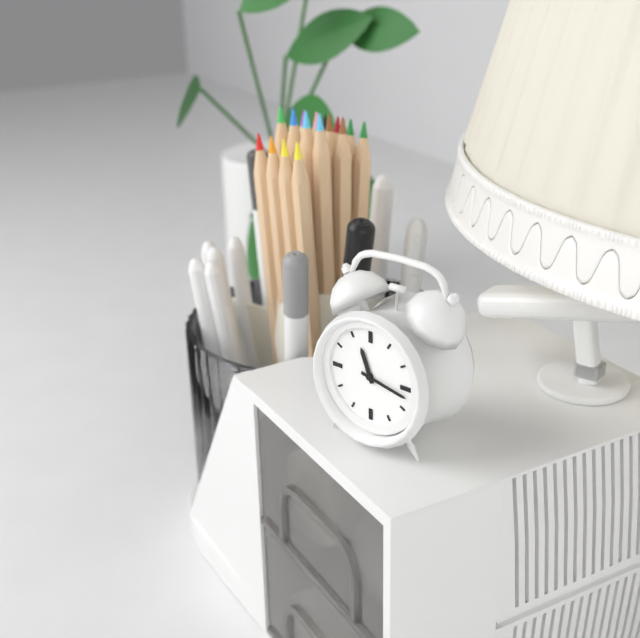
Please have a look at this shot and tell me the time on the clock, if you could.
11:17
